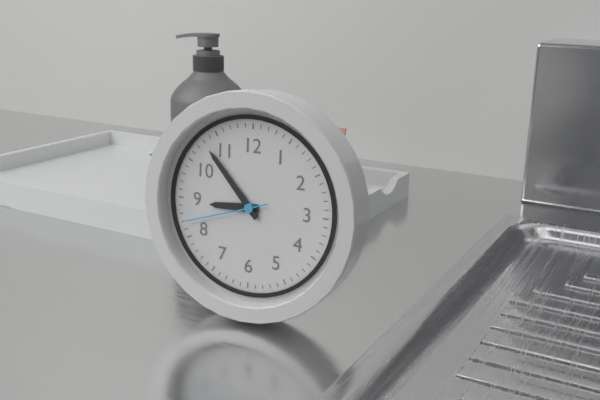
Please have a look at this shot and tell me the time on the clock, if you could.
8:53:42
